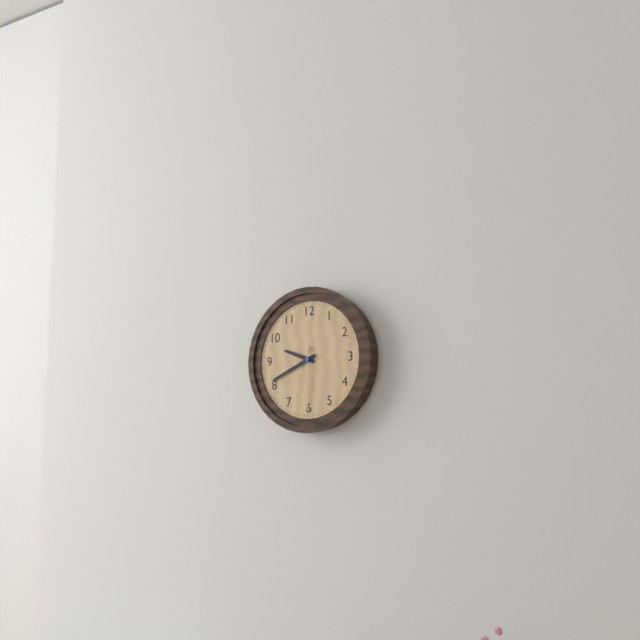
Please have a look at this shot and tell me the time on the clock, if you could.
9:41:30
